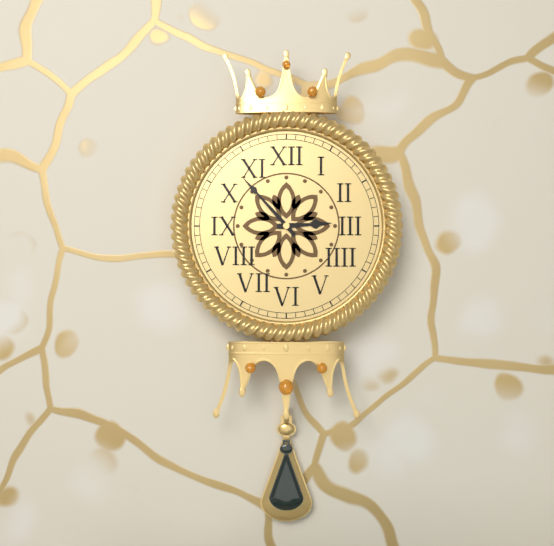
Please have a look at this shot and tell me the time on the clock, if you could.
2:53
